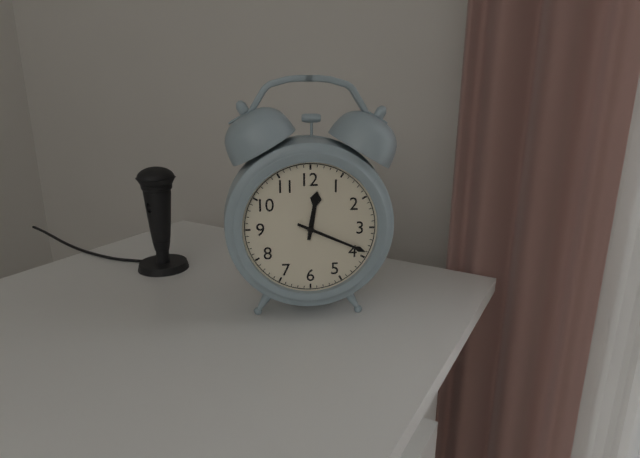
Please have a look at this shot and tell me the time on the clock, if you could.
12:19
